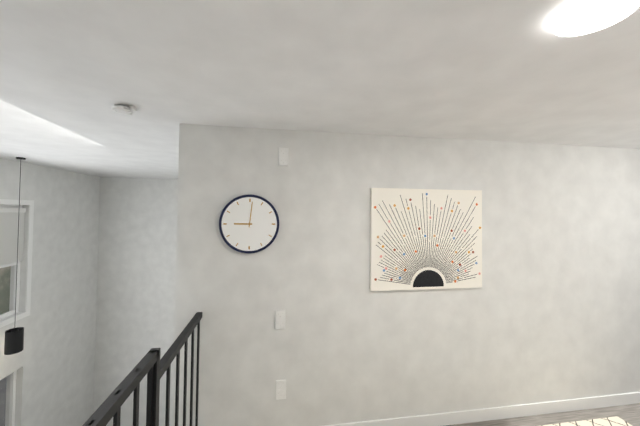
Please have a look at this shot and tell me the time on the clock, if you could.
9:01
